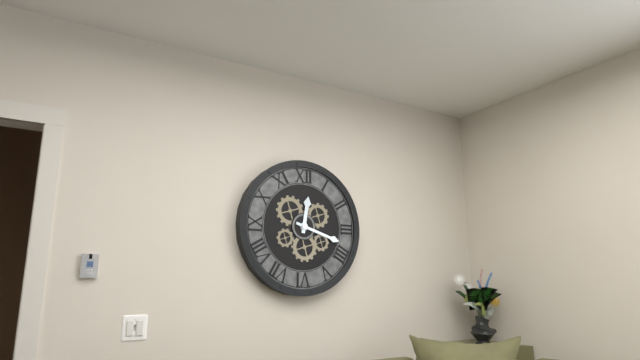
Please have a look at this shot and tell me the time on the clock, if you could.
12:18
